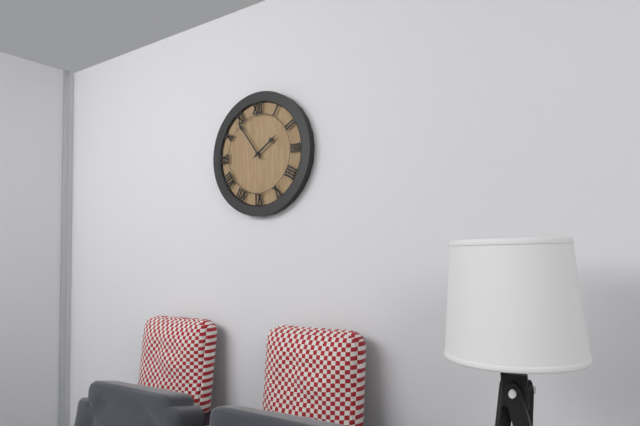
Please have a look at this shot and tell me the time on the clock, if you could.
1:54
